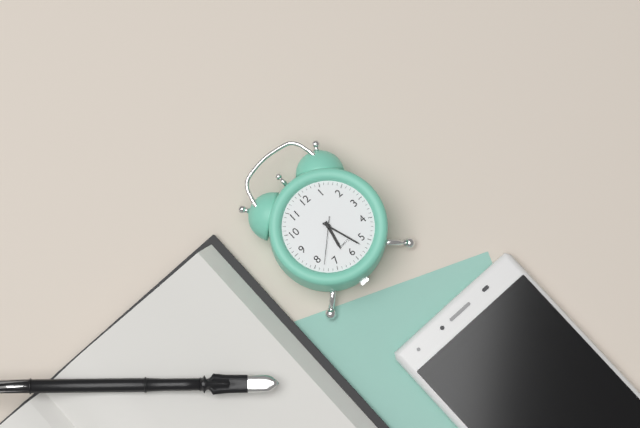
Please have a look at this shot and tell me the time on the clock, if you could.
6:27
